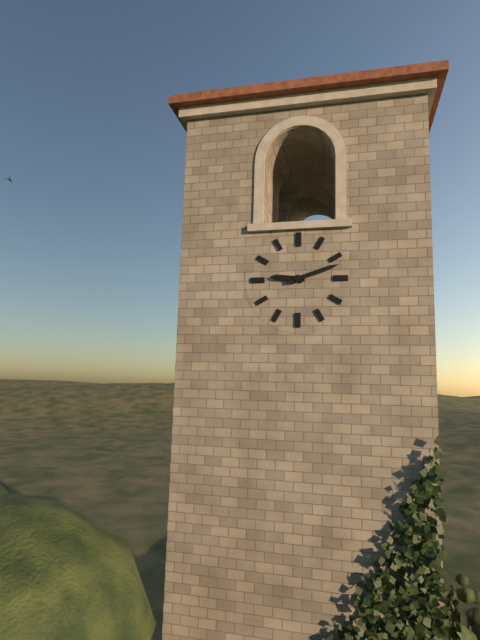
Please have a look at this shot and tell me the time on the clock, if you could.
9:12
